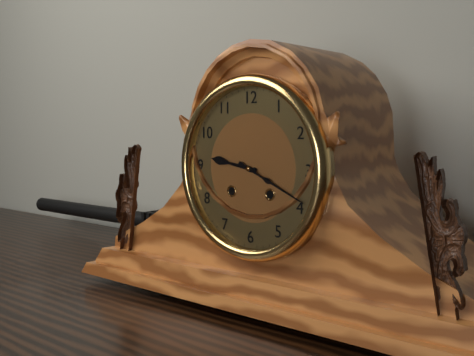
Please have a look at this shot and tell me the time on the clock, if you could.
9:19
